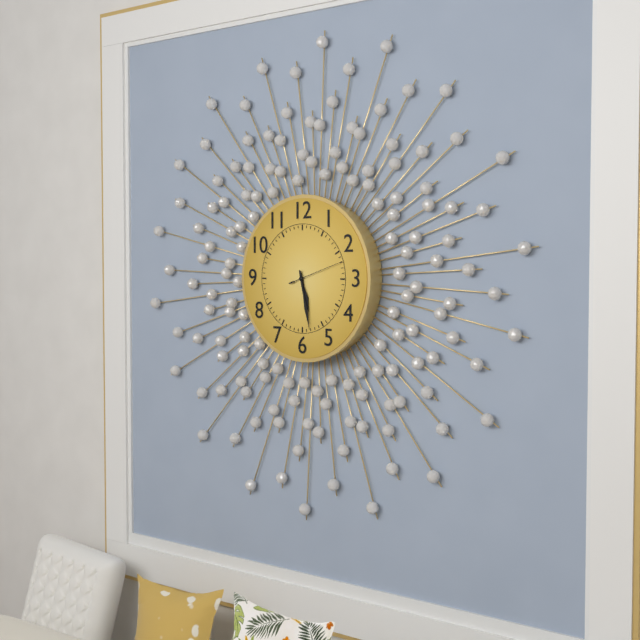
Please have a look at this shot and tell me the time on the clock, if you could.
5:28:12
